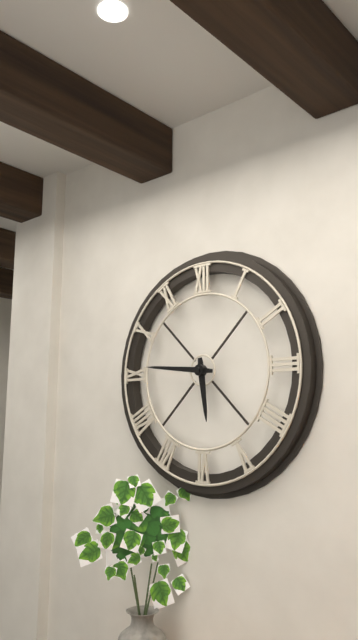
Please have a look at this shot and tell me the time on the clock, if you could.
5:46
